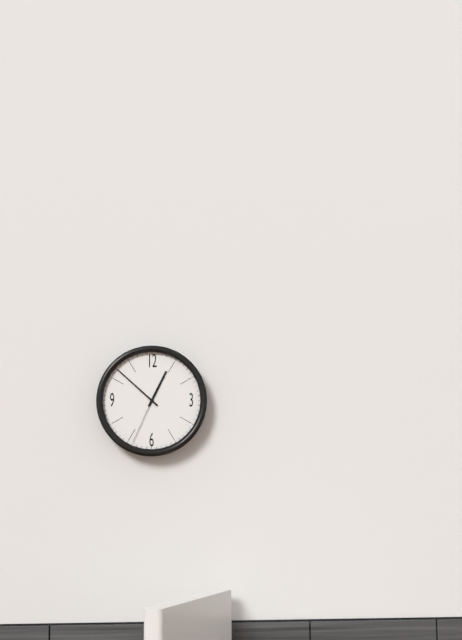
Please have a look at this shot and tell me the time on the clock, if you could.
12:52:34
